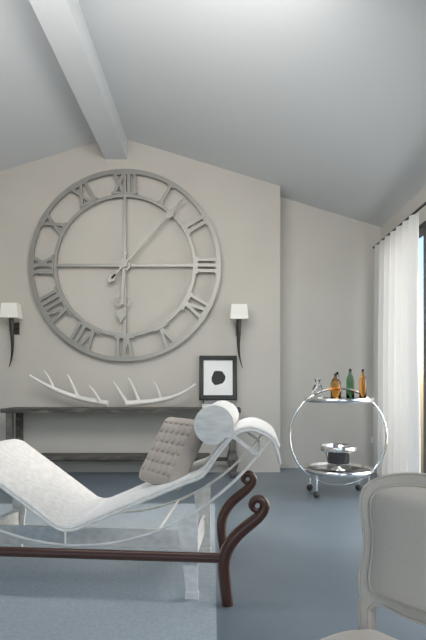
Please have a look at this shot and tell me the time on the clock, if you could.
6:07
